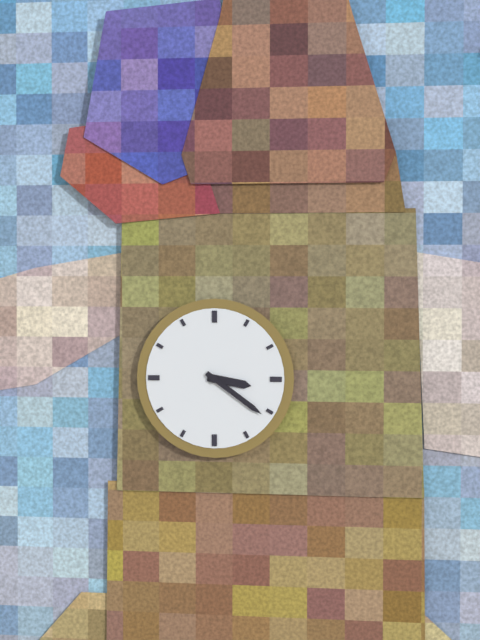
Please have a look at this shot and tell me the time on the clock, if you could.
3:21
